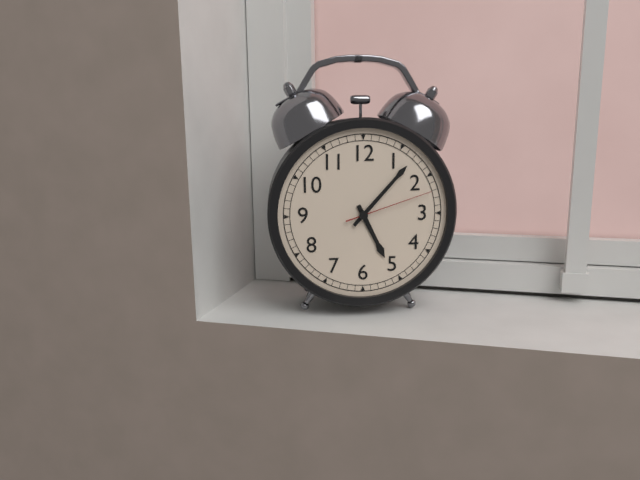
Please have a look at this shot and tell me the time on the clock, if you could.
5:07:12
